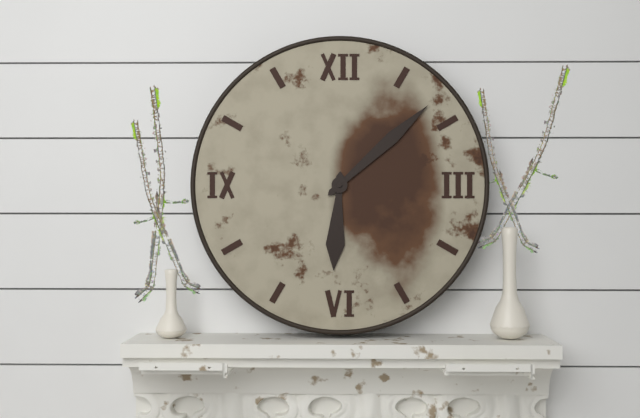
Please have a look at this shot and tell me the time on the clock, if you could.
6:08
